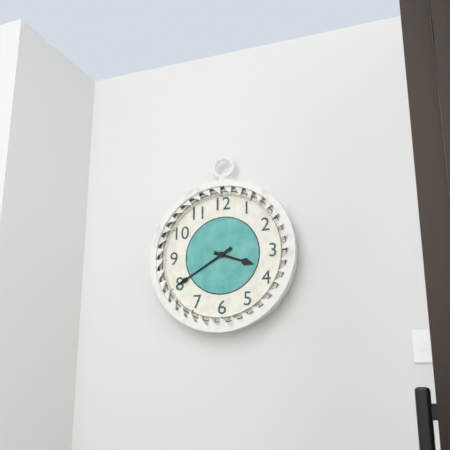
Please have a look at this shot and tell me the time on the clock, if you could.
3:40
